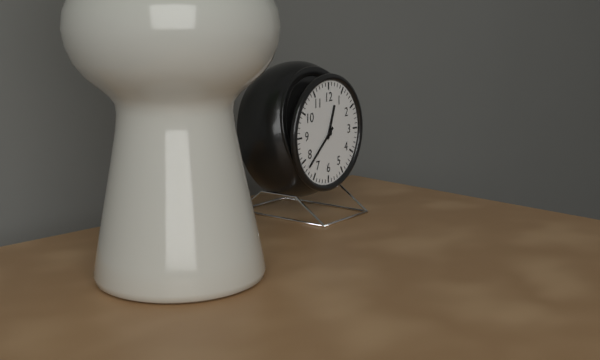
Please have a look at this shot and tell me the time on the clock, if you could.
12:38
